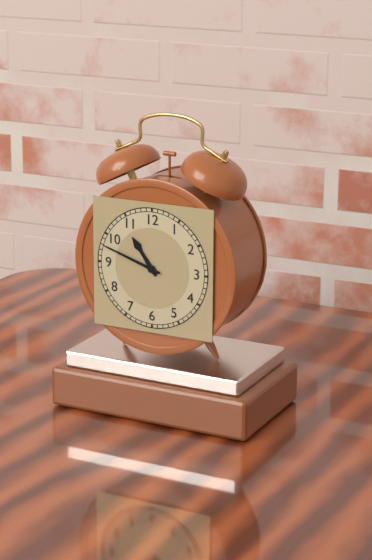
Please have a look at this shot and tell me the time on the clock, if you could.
10:48
